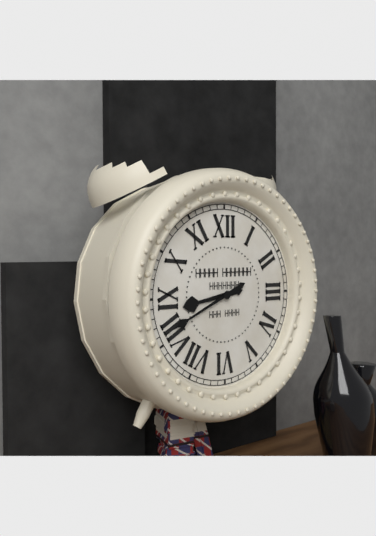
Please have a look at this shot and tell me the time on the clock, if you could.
8:41
